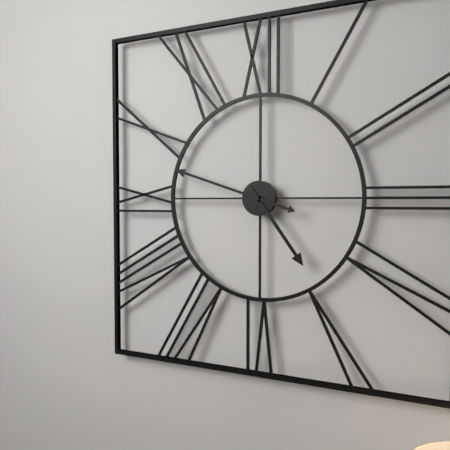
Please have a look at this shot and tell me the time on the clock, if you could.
4:48
